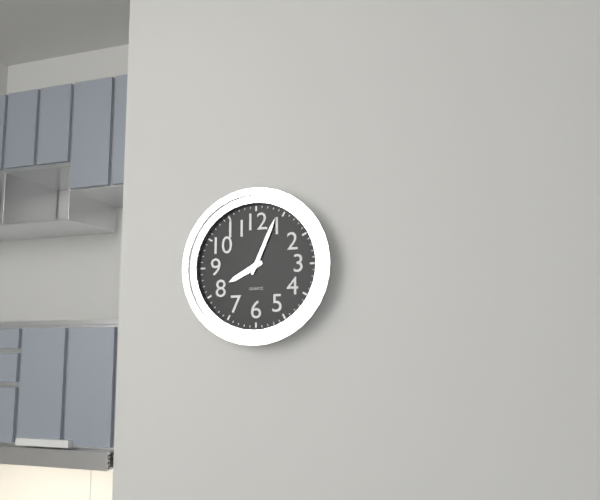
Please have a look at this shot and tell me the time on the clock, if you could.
8:04
